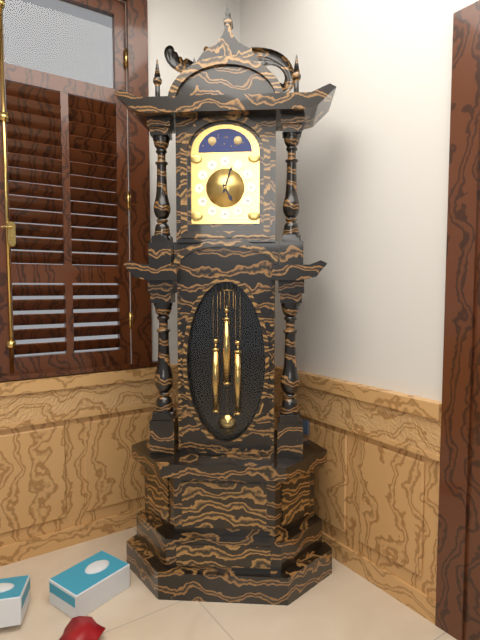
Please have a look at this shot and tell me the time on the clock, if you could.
5:03
